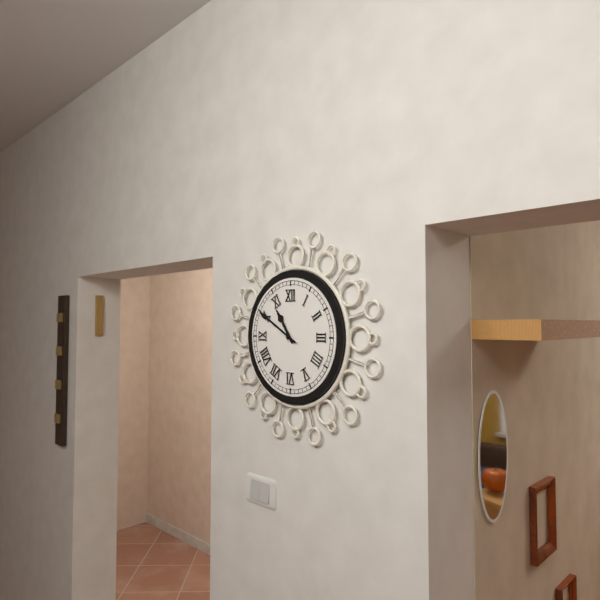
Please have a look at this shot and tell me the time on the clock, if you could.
10:50
